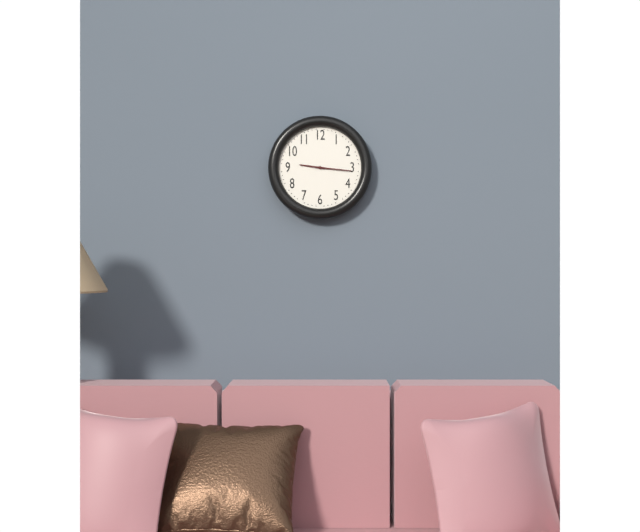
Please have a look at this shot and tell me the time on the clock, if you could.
9:16
